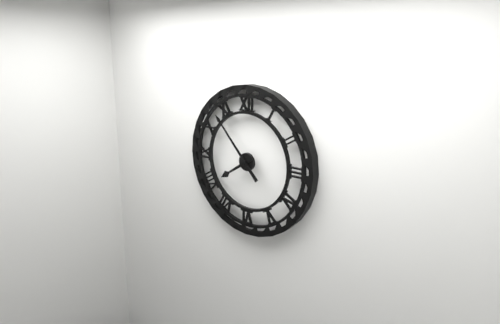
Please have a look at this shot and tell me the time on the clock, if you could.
7:53
